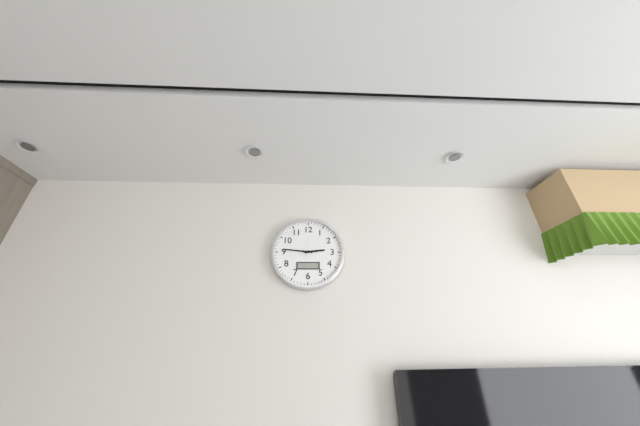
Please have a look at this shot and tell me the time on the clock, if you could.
2:46
